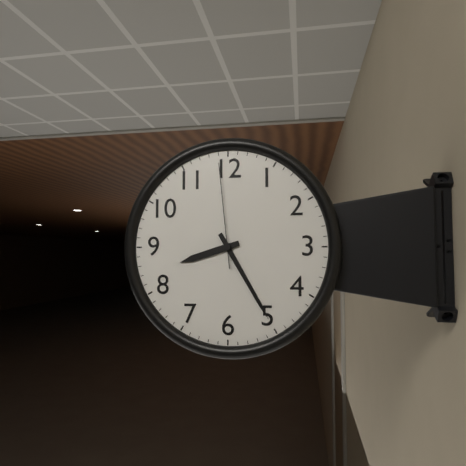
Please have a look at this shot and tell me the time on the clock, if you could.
8:25:59
